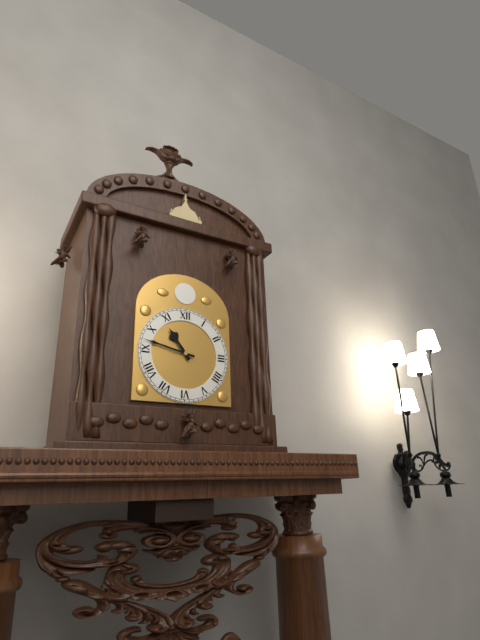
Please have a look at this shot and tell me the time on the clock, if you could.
10:47
